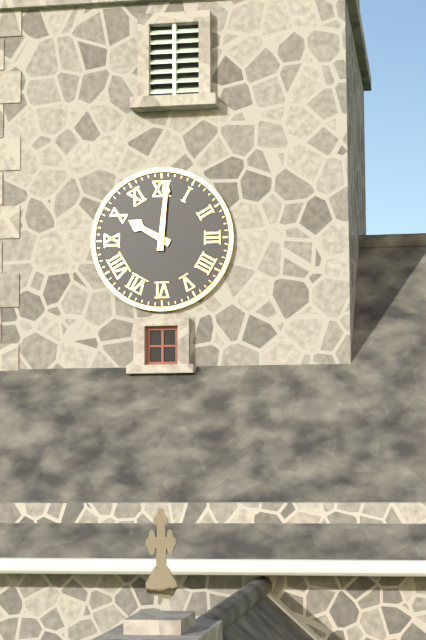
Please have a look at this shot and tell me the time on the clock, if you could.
10:01
